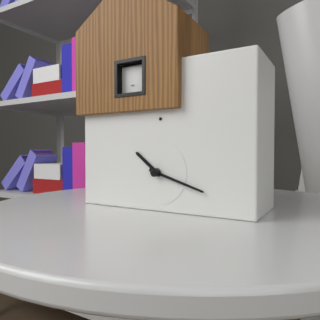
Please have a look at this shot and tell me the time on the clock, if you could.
10:18
